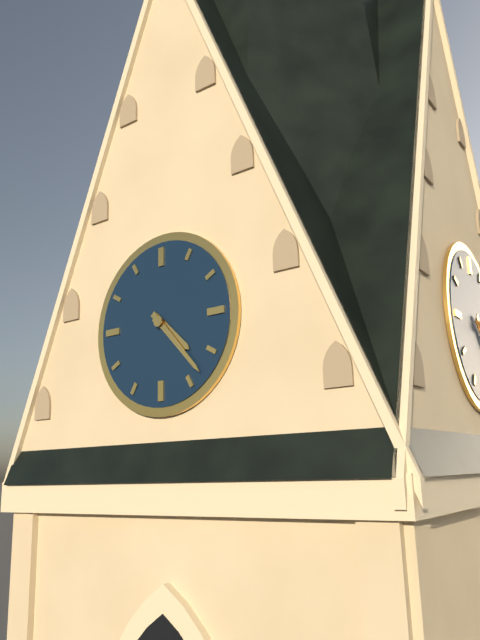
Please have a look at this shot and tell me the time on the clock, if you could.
4:23
